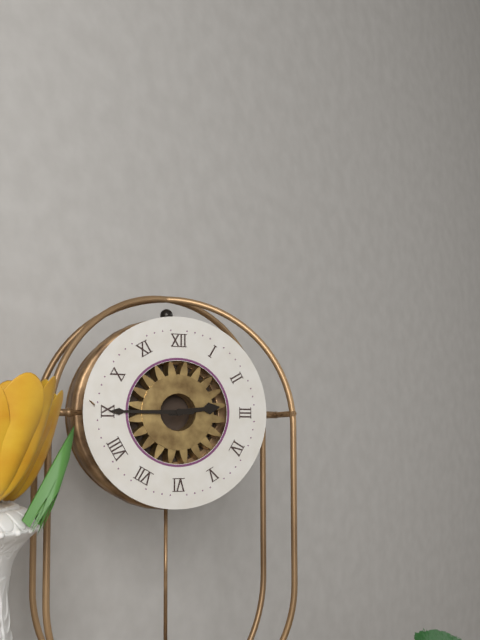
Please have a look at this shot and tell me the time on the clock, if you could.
2:45
